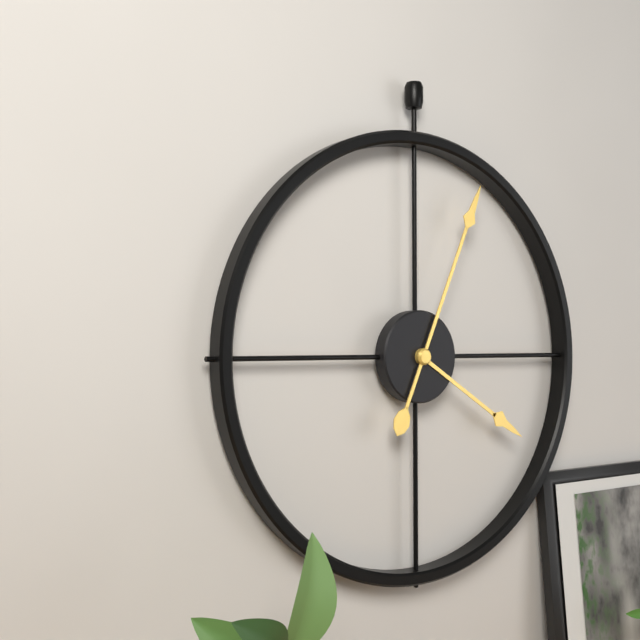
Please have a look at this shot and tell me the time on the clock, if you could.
4:04
